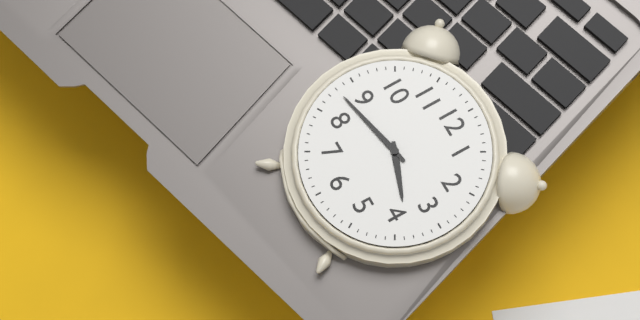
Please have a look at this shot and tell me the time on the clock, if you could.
3:43
